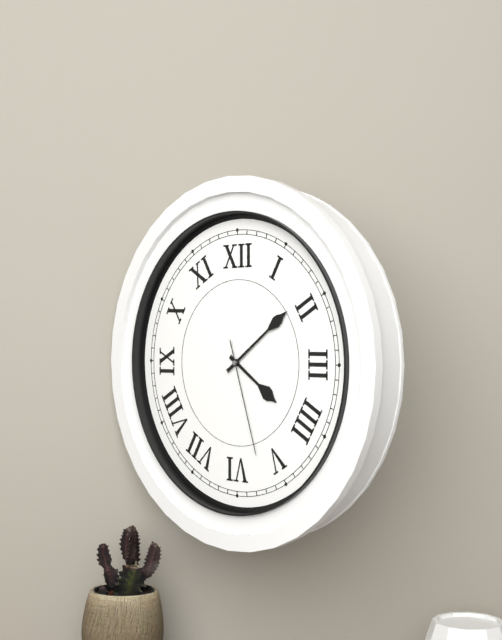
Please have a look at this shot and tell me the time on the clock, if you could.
4:09:27
